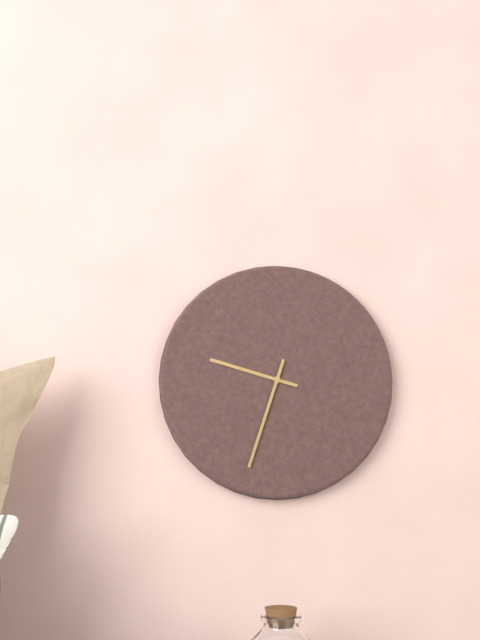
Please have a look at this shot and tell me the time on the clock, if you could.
9:33
